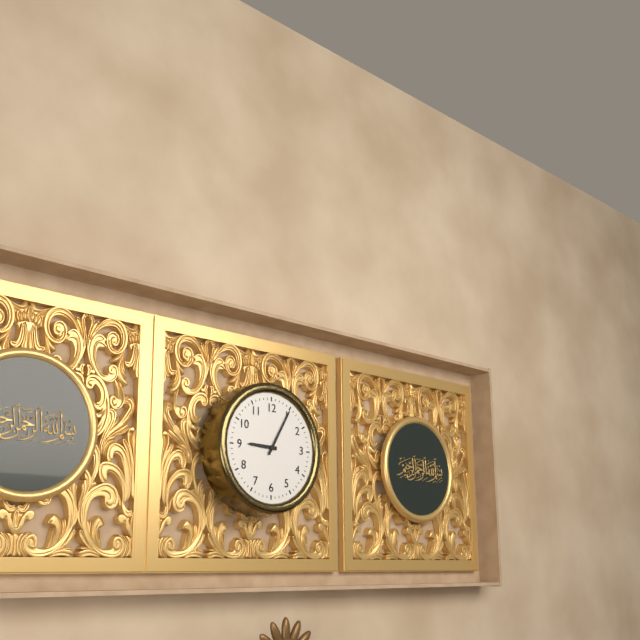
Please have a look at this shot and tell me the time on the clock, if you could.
9:05
